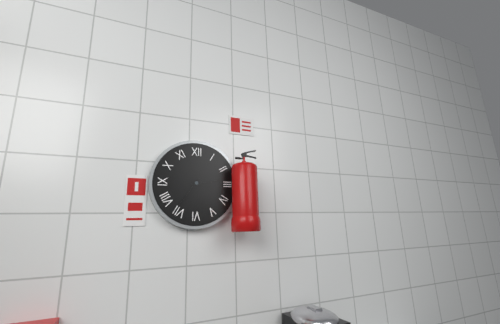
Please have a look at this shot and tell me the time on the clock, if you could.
2:36
